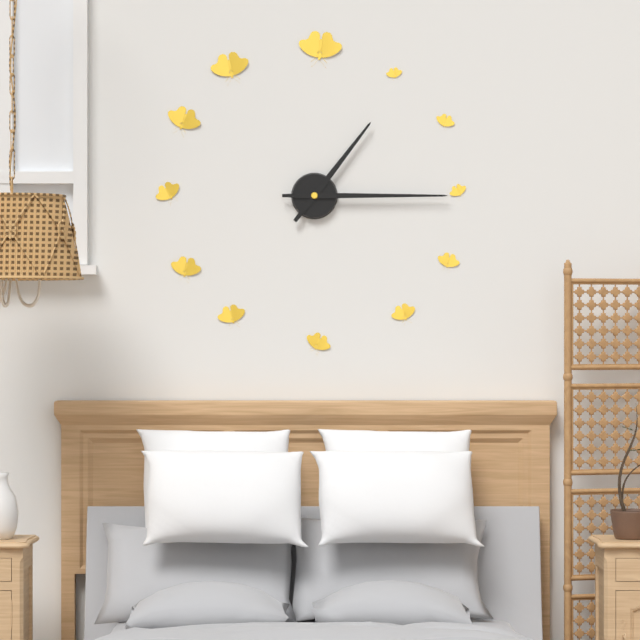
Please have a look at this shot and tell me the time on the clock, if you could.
1:15
